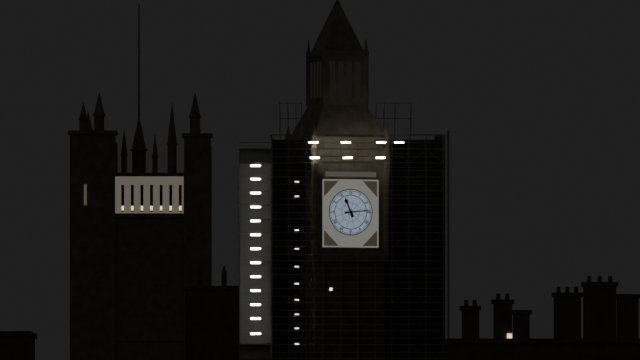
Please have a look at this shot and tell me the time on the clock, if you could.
11:14
